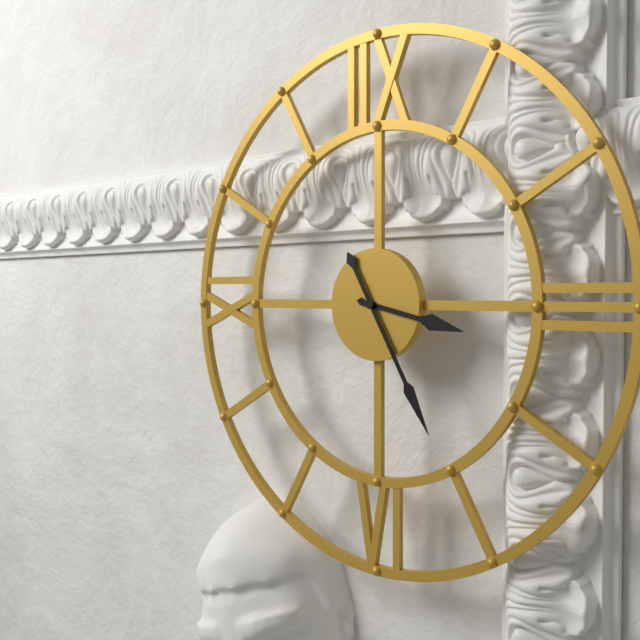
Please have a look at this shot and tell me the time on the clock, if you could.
3:25
